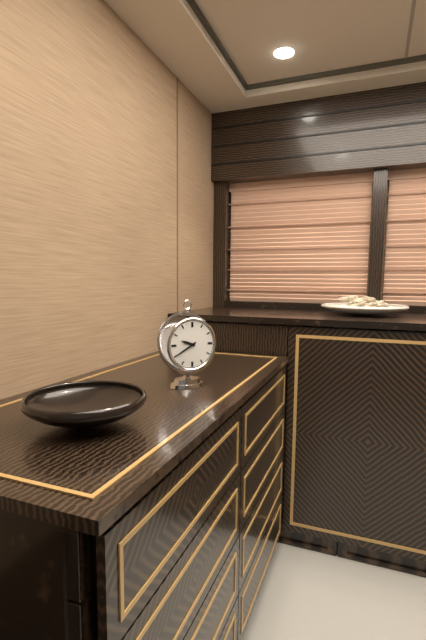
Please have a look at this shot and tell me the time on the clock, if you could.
9:40
